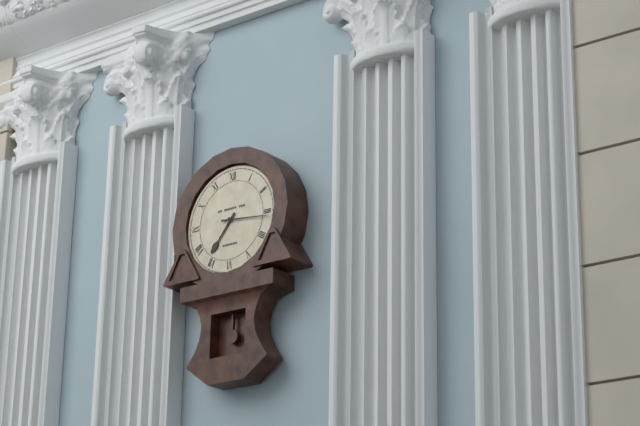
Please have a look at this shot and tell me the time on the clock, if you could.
7:16
